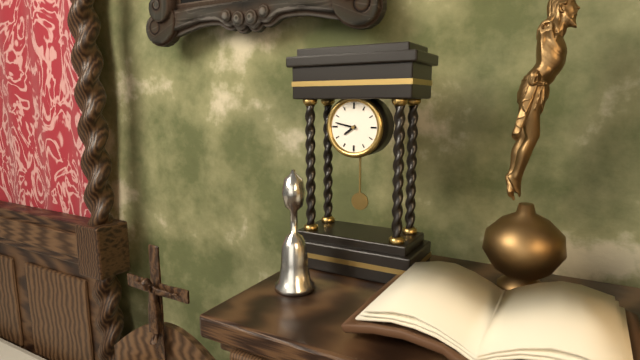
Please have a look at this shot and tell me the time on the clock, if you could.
7:47
